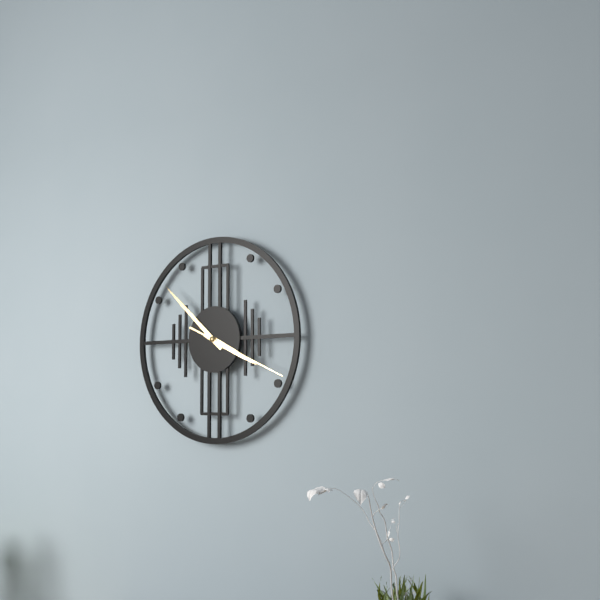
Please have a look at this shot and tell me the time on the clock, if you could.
3:52:19
